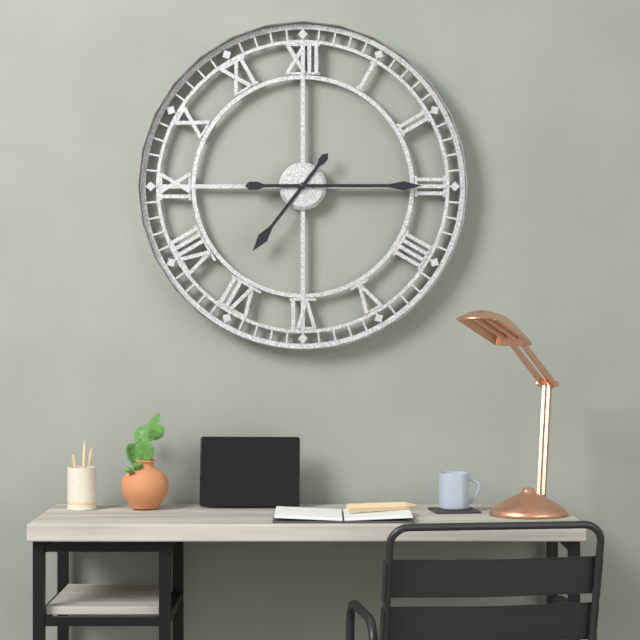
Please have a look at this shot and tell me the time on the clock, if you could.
7:15
